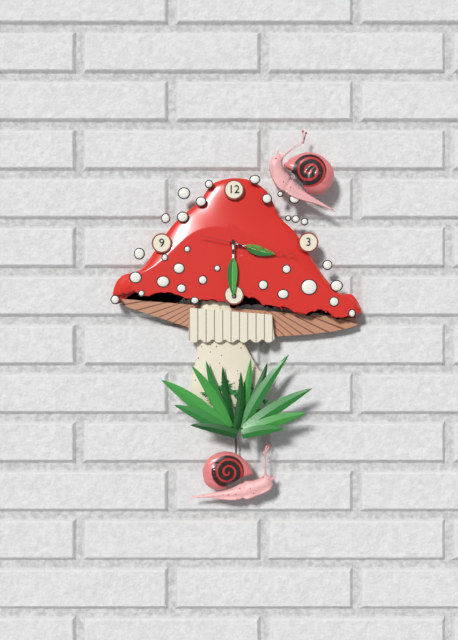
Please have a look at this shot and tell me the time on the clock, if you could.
3:30:17
